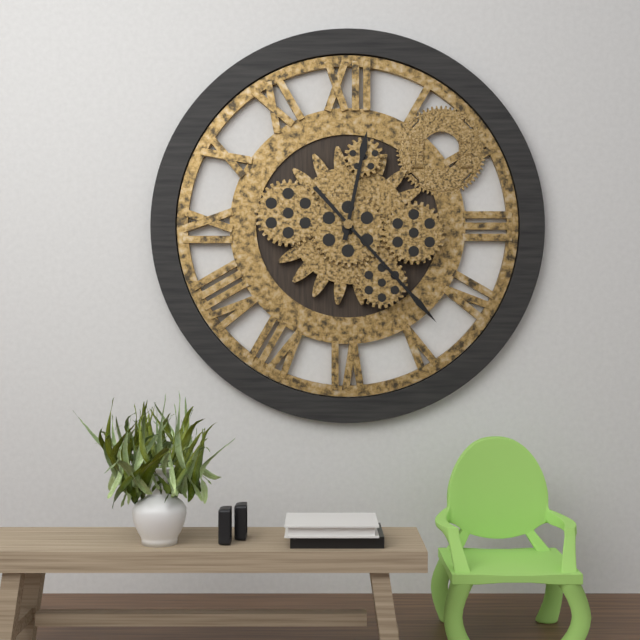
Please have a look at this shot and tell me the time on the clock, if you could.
12:23
